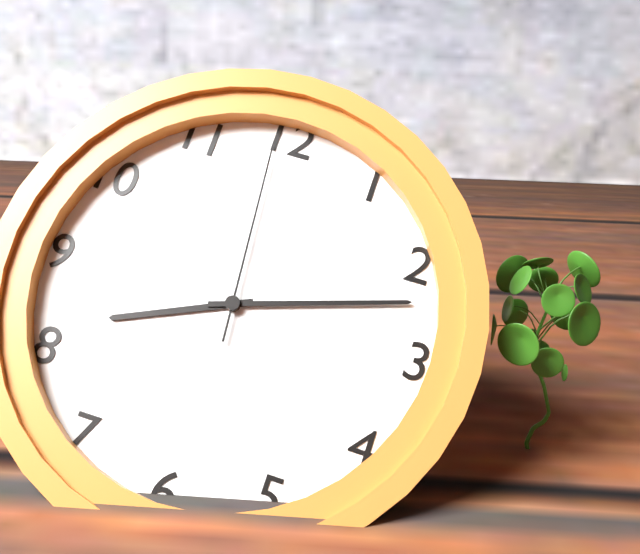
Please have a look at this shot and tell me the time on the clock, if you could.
8:12:59
